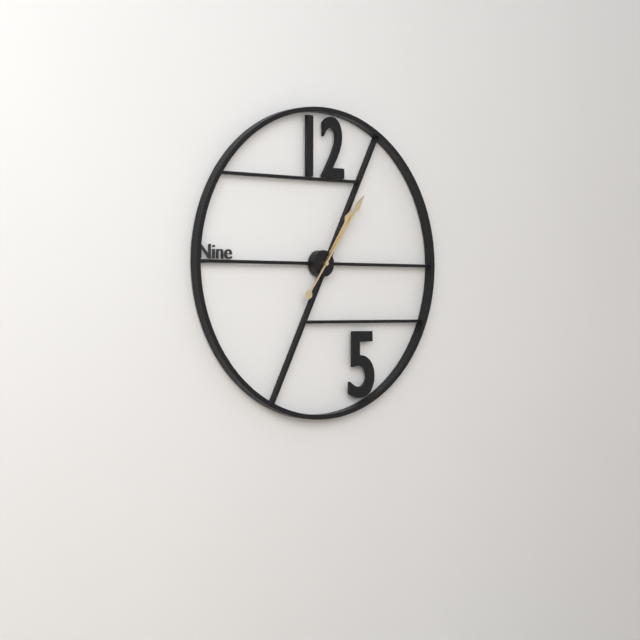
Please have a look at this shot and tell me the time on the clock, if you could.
1:06
